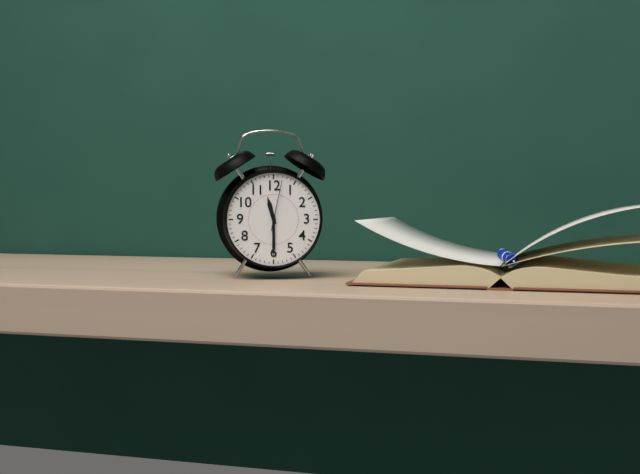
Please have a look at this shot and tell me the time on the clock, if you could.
11:30:02
